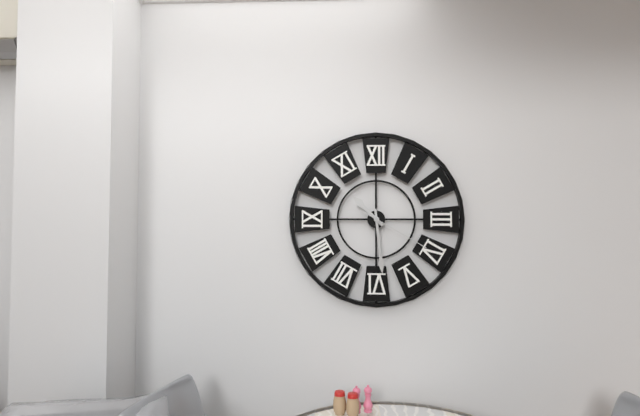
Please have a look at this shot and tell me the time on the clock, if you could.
10:29:20
